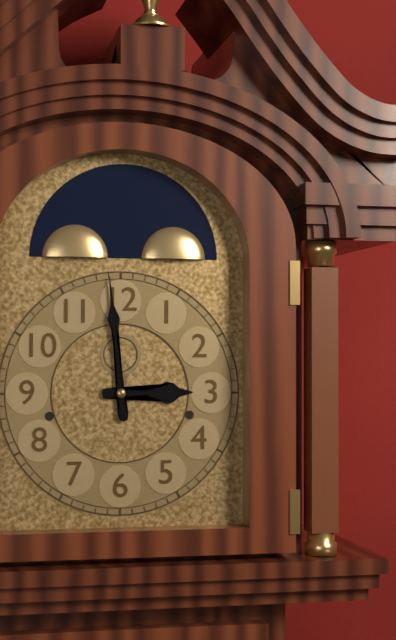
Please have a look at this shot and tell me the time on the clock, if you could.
2:59
